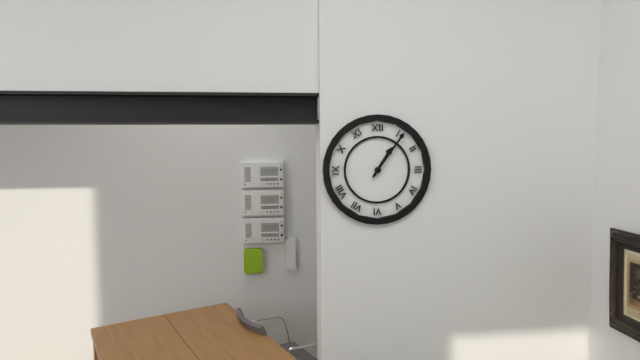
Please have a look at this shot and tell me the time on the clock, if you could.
1:06
